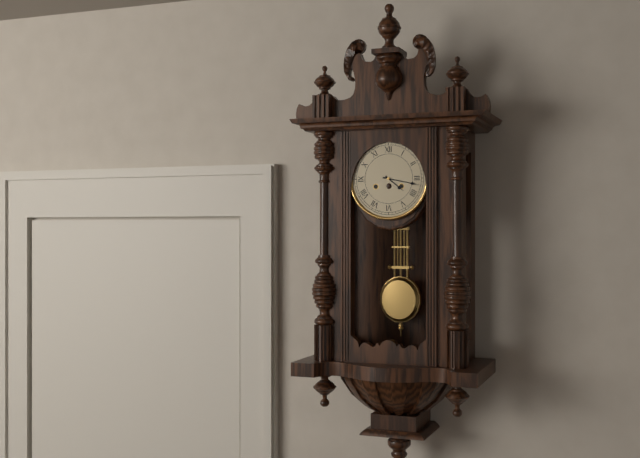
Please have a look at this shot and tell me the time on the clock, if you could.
4:17
